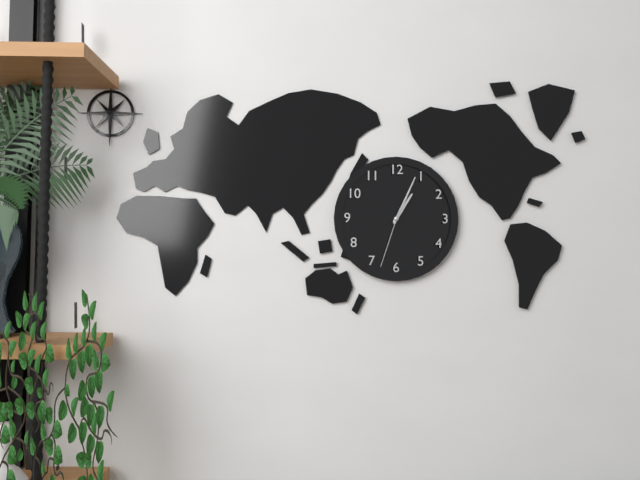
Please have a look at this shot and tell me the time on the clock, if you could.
1:04:33
